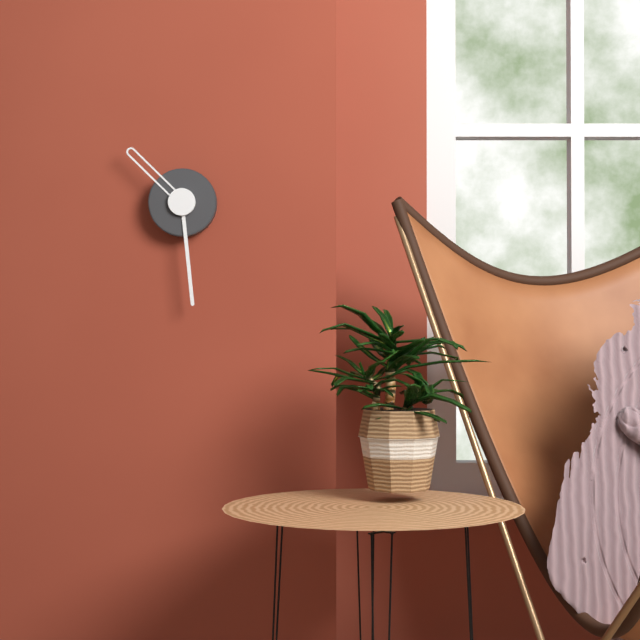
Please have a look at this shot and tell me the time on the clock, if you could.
10:29
